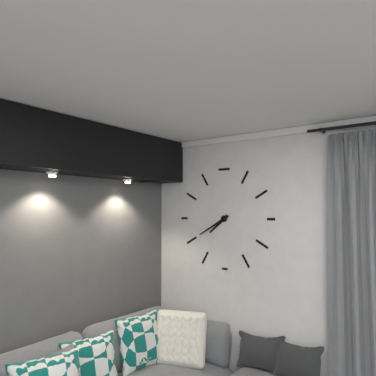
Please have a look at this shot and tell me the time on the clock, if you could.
7:40
